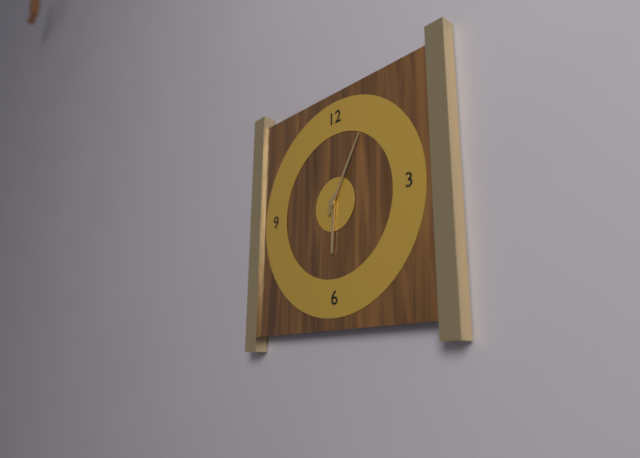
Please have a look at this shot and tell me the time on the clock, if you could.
6:05
